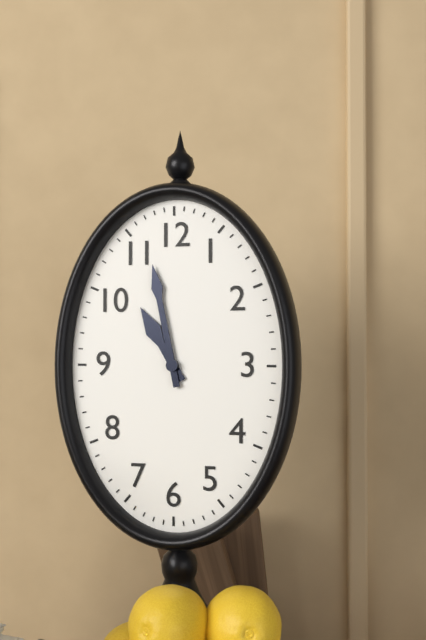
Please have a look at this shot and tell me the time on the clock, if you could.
10:58
